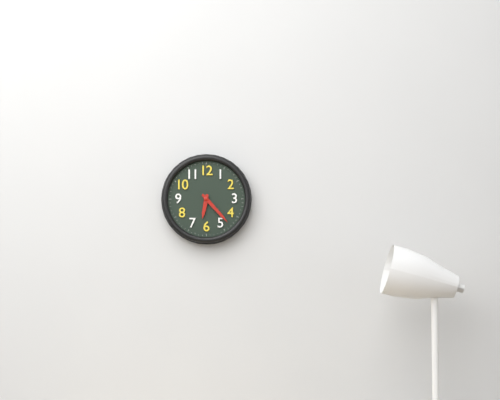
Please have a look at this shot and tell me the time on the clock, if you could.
6:23
